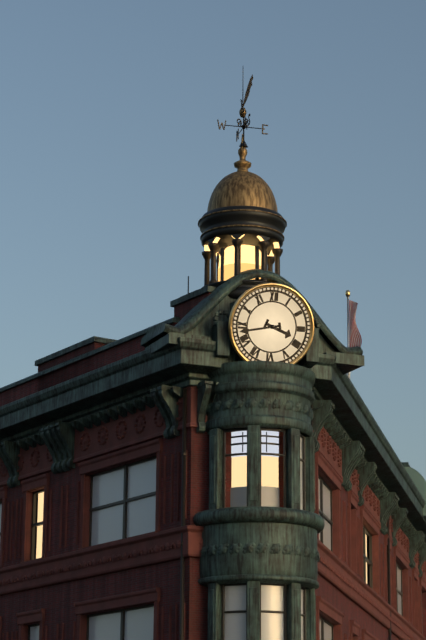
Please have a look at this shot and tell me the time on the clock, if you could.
3:43
